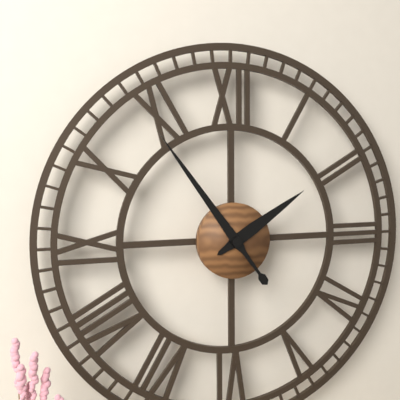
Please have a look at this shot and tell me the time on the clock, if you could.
1:54
